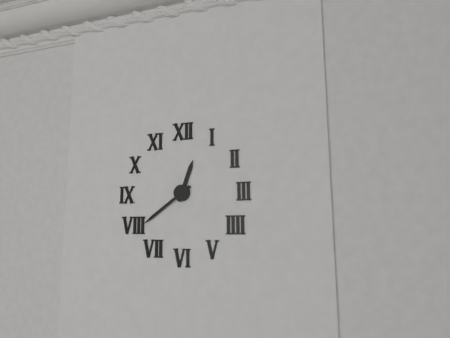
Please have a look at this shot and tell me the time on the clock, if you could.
12:39
